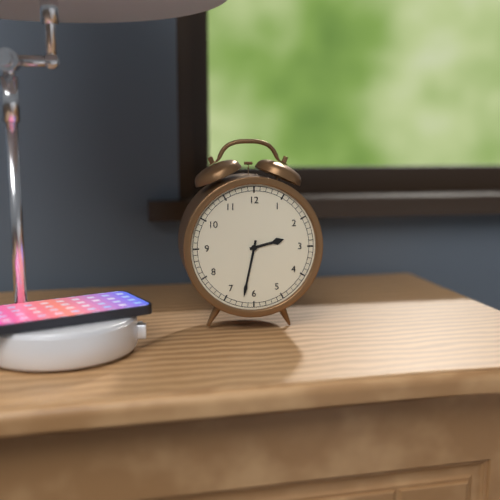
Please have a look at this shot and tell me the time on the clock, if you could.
2:32
